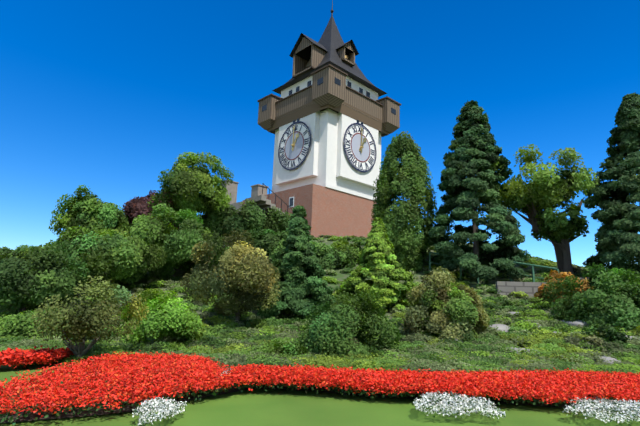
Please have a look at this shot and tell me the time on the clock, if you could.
1:00
